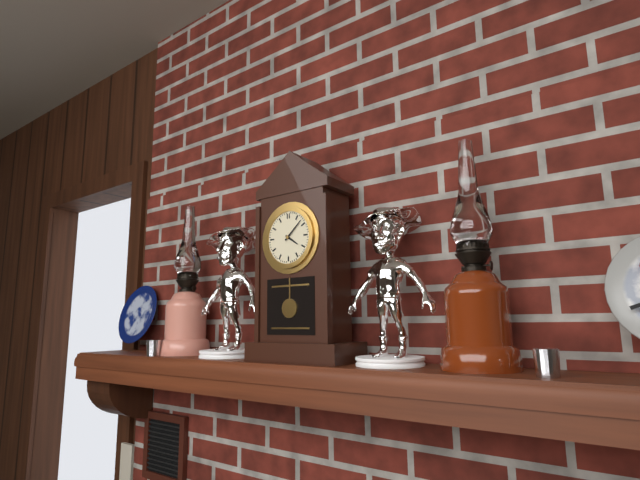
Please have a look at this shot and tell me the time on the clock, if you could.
4:08
